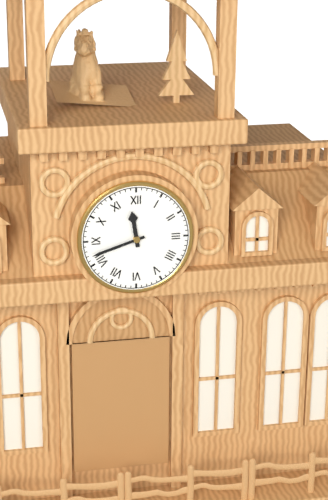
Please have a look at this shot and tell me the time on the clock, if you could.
11:42
